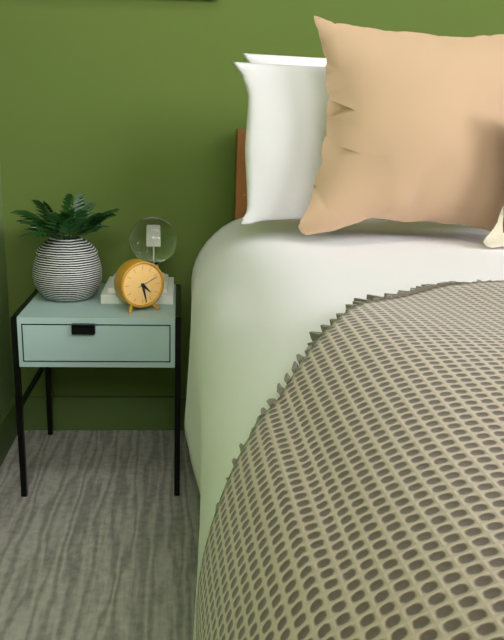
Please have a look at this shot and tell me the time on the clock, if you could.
4:28
